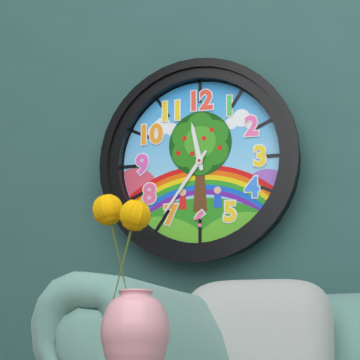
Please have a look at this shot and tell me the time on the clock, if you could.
11:36
